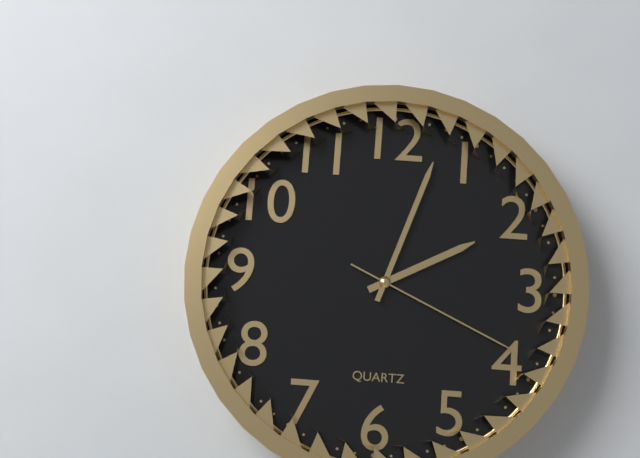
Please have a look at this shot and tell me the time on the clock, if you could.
2:03:19
